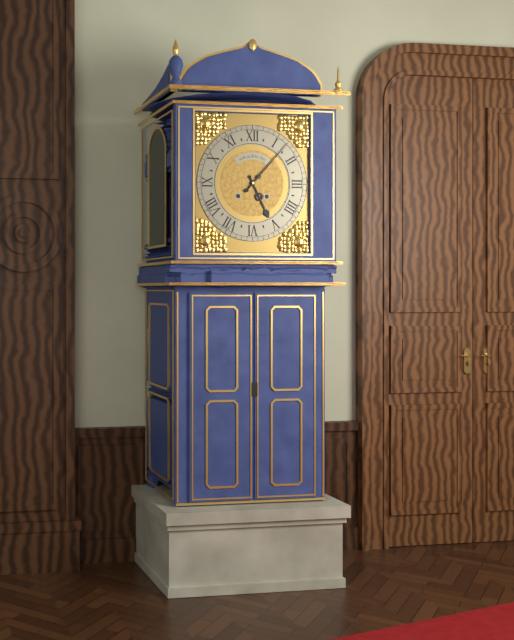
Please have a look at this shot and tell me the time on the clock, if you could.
5:07
